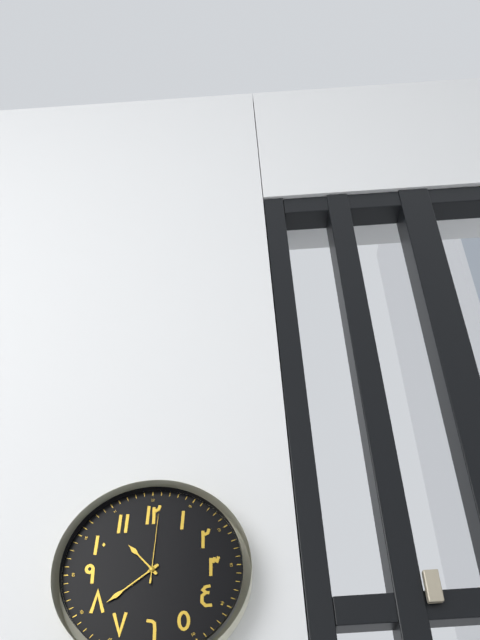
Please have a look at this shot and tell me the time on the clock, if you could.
10:39:01
